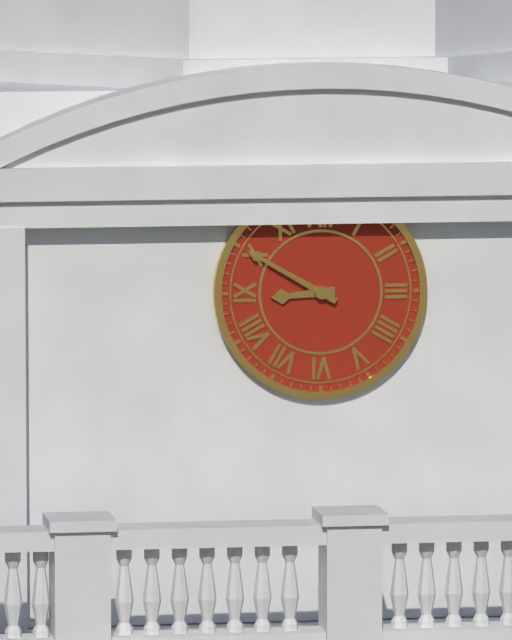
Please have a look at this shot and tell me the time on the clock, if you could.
8:50
